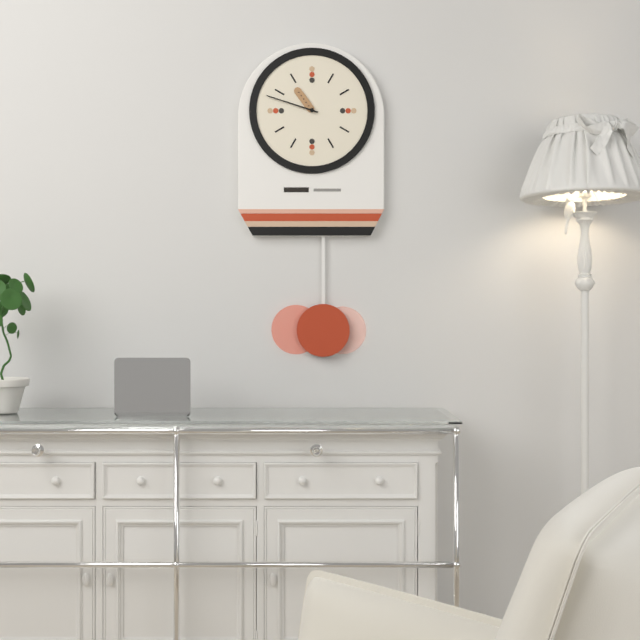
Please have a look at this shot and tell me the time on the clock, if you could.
10:48
